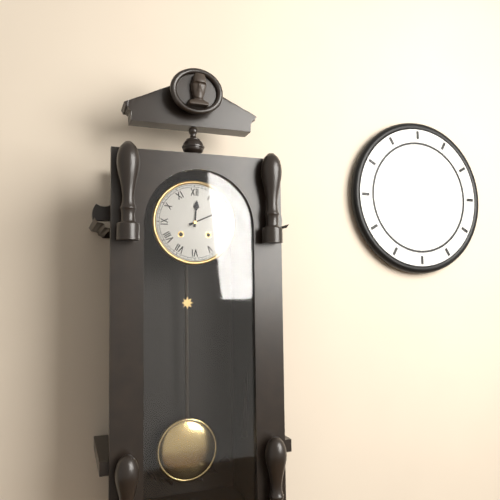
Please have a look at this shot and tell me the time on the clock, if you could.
12:11
